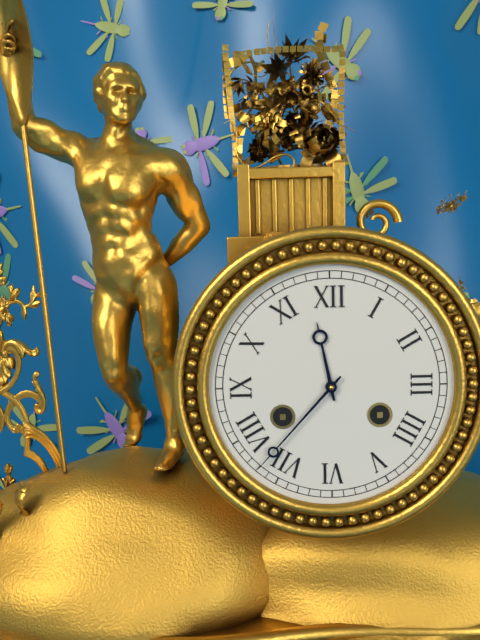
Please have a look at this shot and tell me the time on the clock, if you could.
11:37
